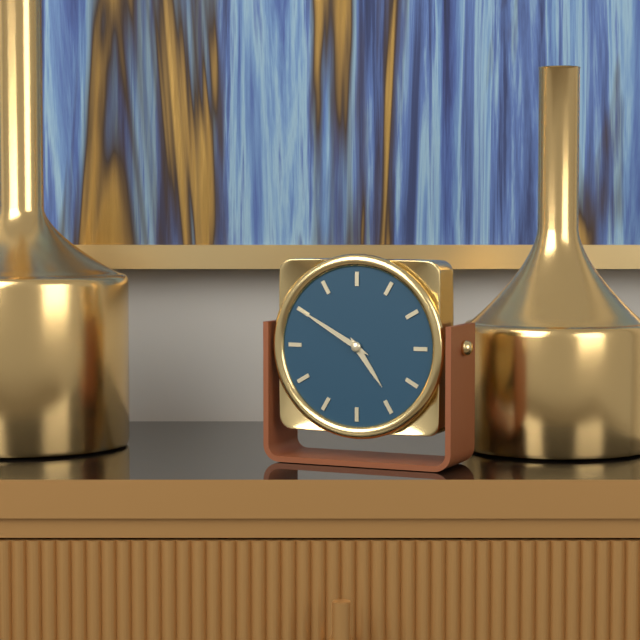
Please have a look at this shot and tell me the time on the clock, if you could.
4:50
